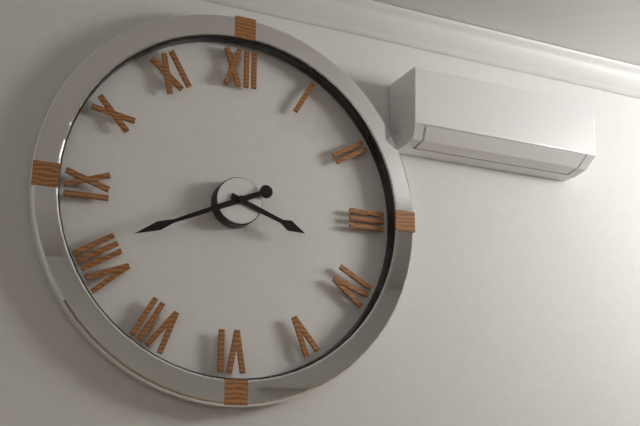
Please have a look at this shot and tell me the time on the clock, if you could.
3:41
